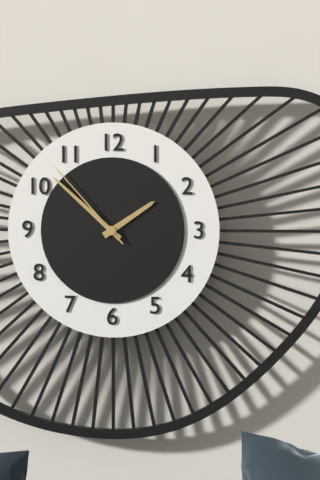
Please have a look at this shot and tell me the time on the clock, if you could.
1:52:53
